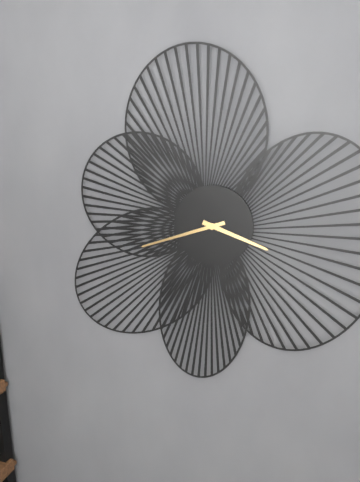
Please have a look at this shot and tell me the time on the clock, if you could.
3:42
